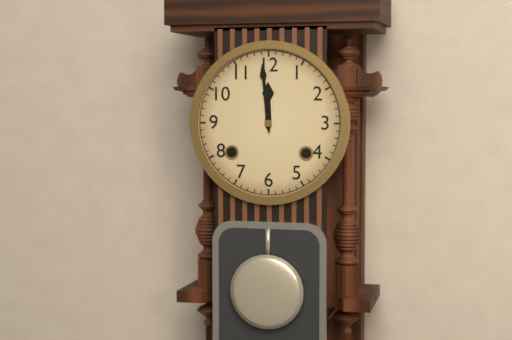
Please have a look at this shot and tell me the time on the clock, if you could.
11:59
